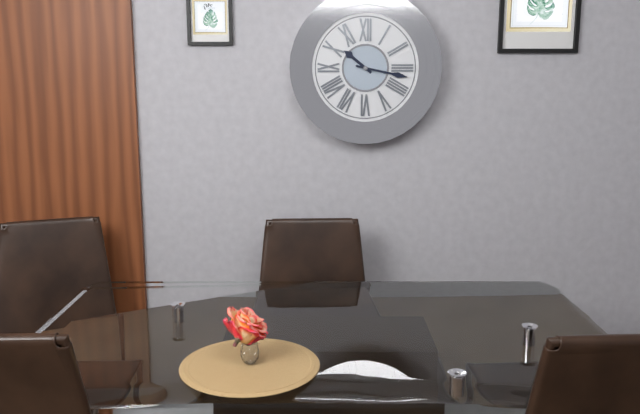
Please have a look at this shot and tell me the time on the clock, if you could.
10:17
